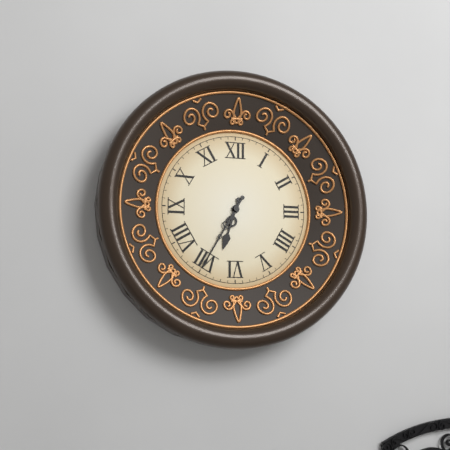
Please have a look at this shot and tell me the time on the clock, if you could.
6:35
